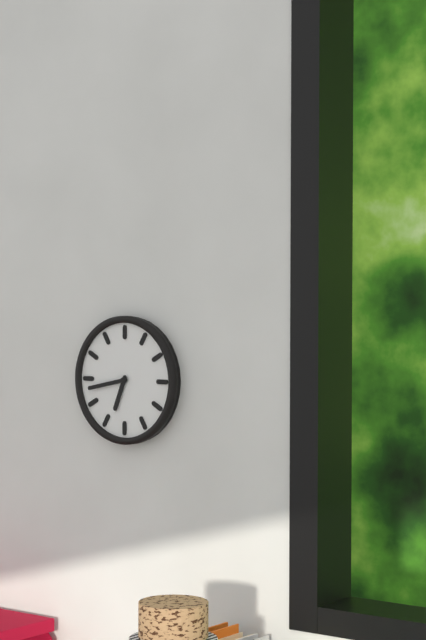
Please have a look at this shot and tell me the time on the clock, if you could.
6:43
